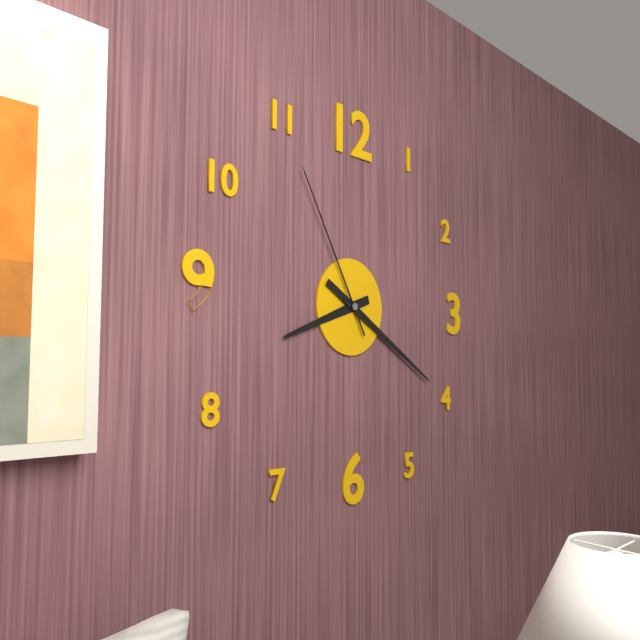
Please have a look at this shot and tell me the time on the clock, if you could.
8:20:55
